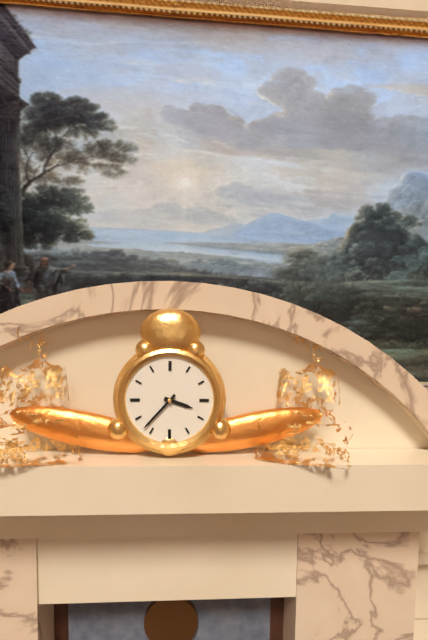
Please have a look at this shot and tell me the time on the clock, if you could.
3:37
